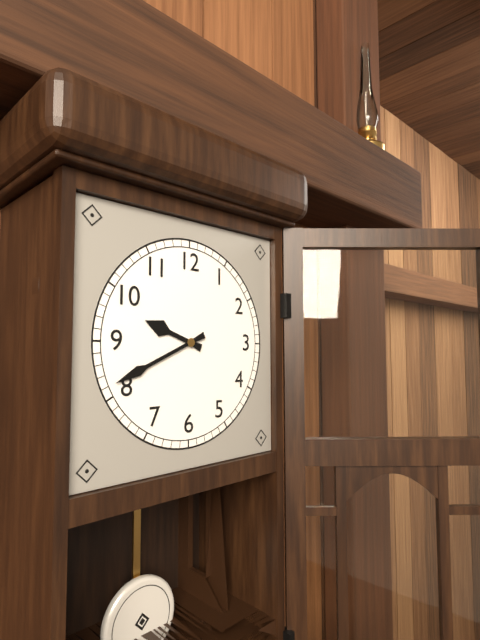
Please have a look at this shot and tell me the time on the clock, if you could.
9:41
